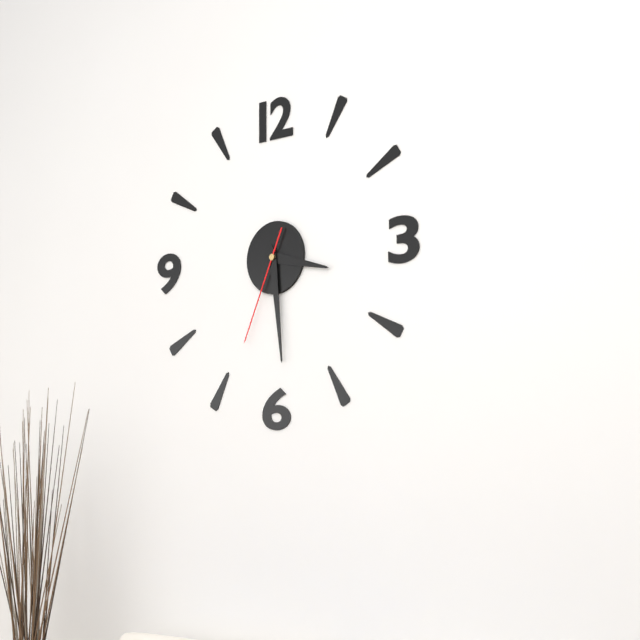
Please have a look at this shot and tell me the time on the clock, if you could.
3:29:34
